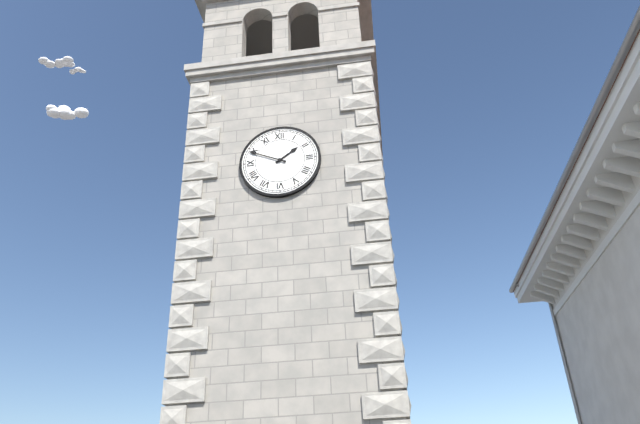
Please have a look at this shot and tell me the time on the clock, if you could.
1:49
